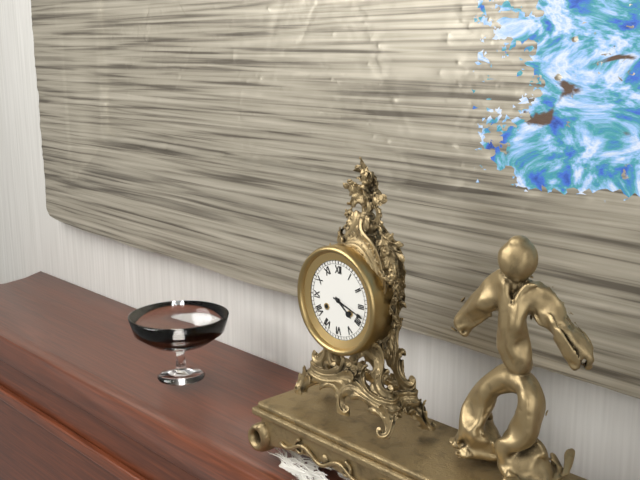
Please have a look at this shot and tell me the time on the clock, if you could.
4:18
